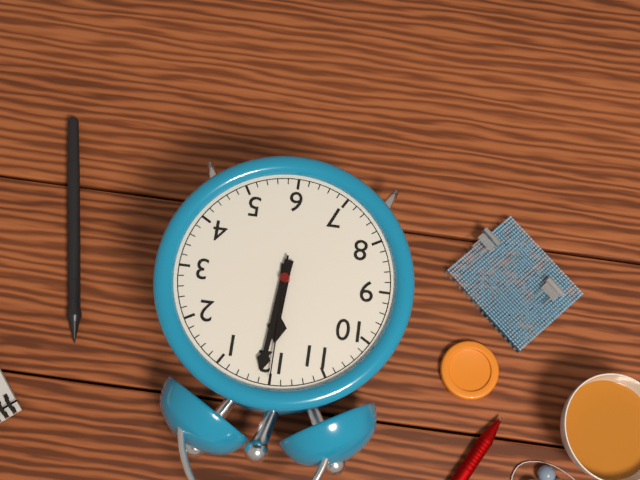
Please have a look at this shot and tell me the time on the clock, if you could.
12:01:00
